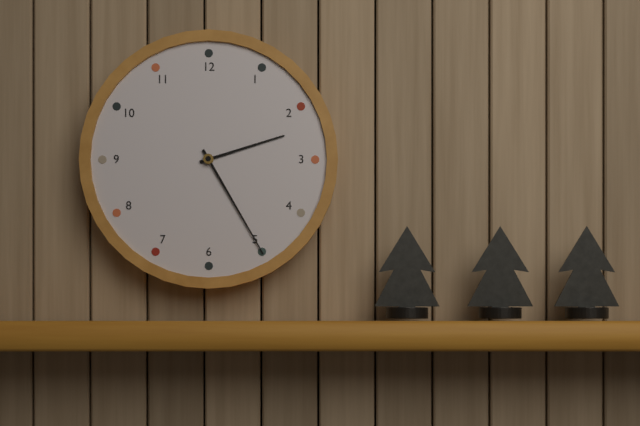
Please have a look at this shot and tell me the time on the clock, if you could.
2:25
